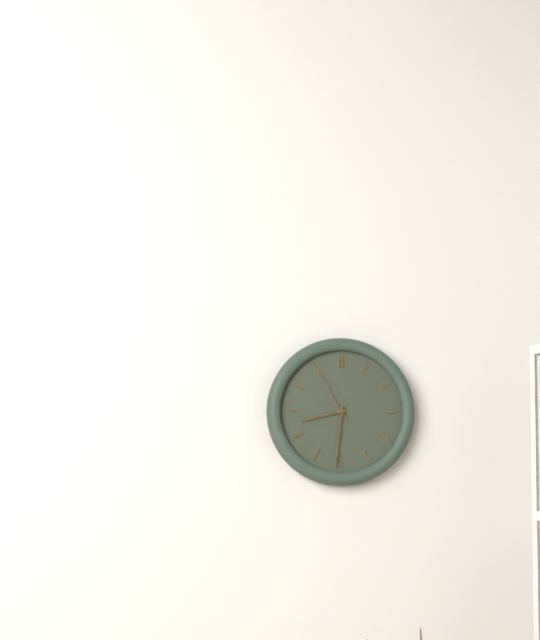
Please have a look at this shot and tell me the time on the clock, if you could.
8:31:55
